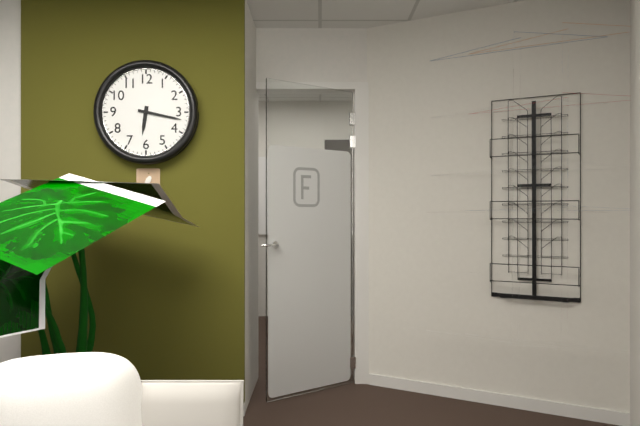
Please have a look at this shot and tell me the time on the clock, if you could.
6:17
